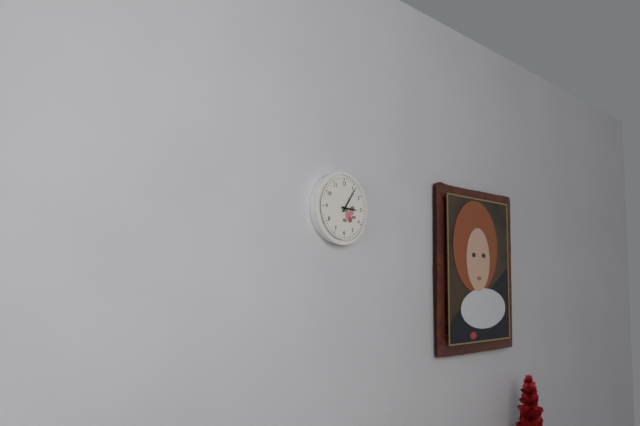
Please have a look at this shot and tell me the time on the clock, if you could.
3:06
